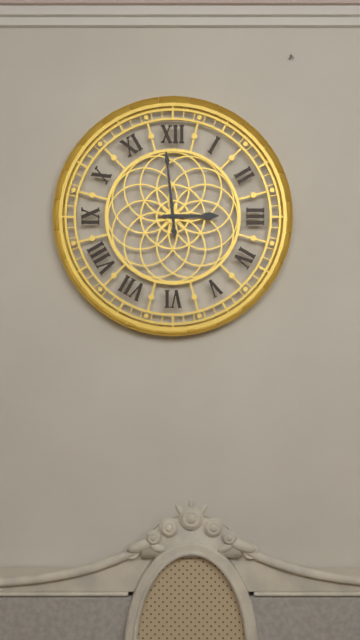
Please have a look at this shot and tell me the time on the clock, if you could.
2:59
